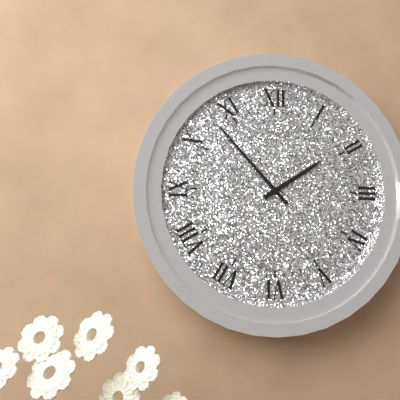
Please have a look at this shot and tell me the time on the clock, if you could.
1:53
